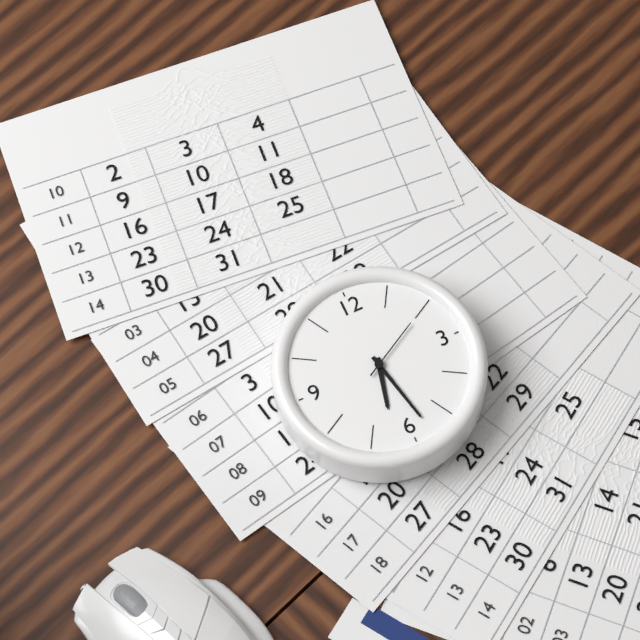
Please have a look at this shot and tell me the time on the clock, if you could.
6:28:10
